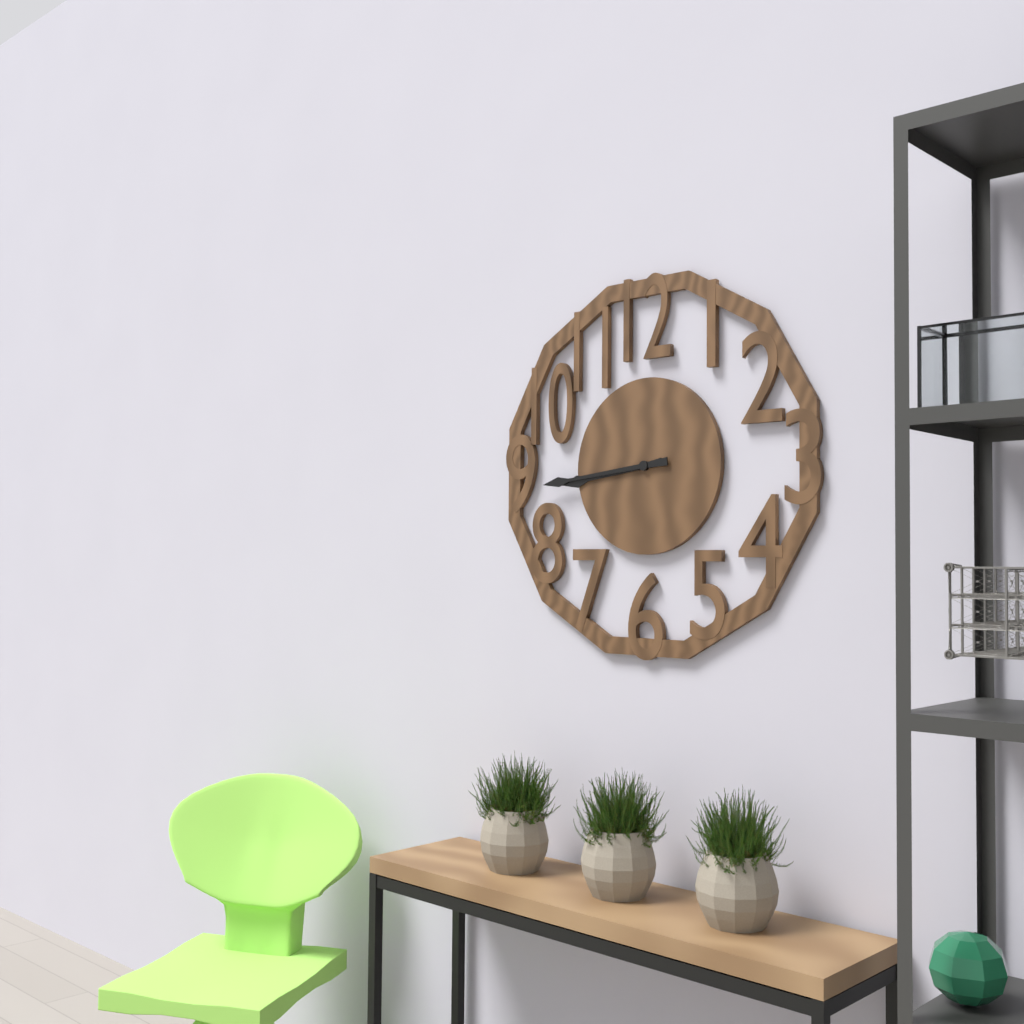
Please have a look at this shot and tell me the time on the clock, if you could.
8:44
